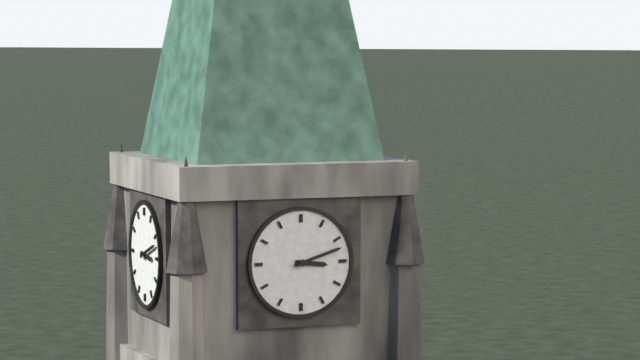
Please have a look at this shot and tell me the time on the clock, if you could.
3:12
